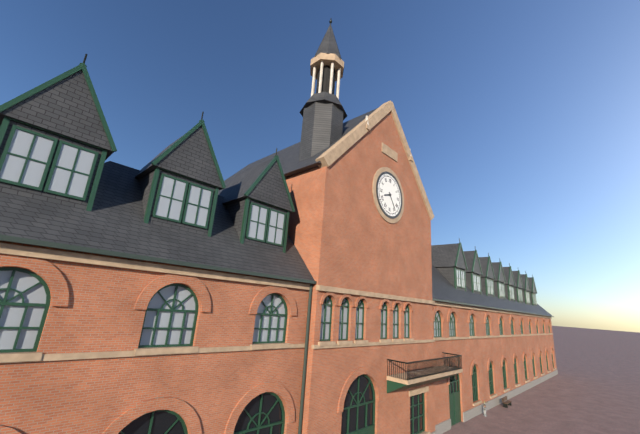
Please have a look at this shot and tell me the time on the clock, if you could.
8:24
